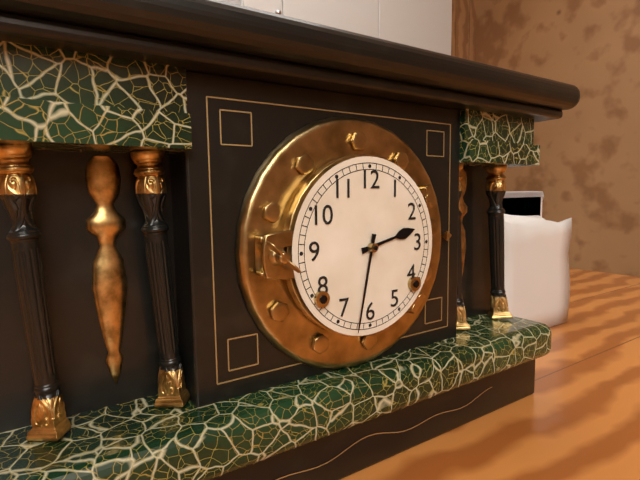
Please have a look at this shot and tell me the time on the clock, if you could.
2:32
